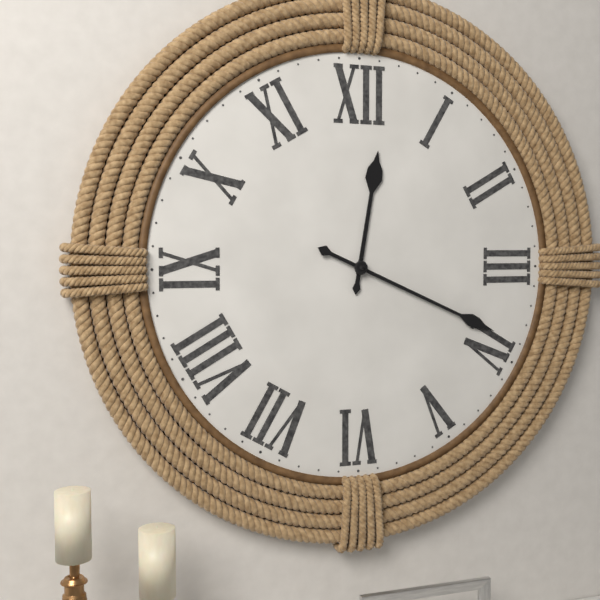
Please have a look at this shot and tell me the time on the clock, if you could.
12:19
